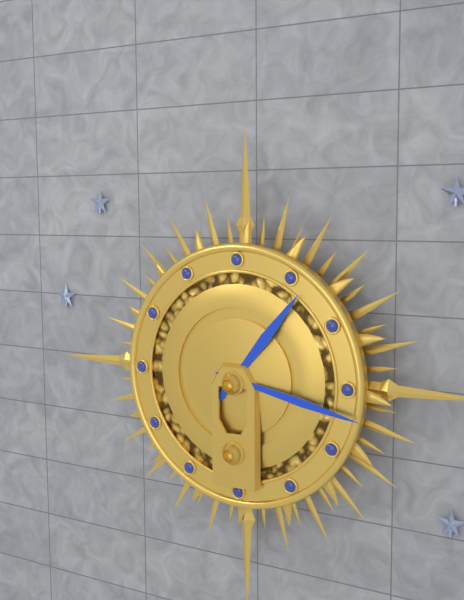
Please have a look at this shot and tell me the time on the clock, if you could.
1:17
